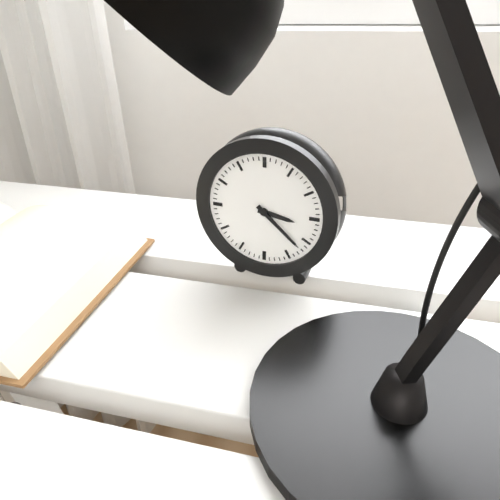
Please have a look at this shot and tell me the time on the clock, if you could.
3:22
